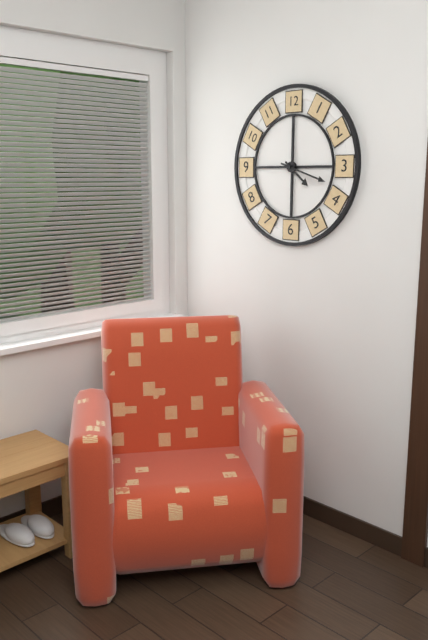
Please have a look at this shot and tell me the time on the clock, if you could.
4:18
